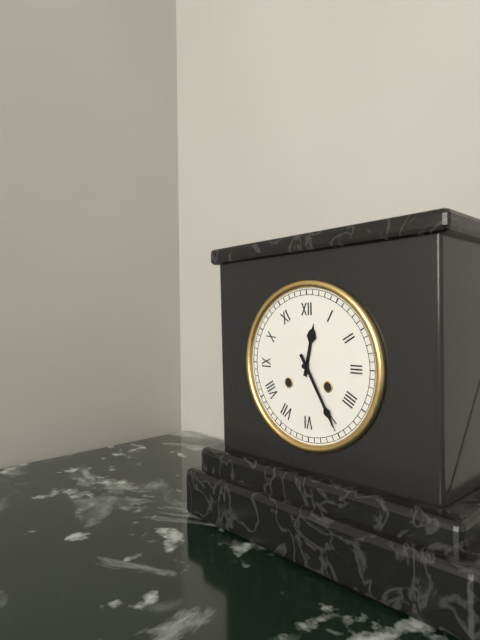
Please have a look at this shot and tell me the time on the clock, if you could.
12:25
